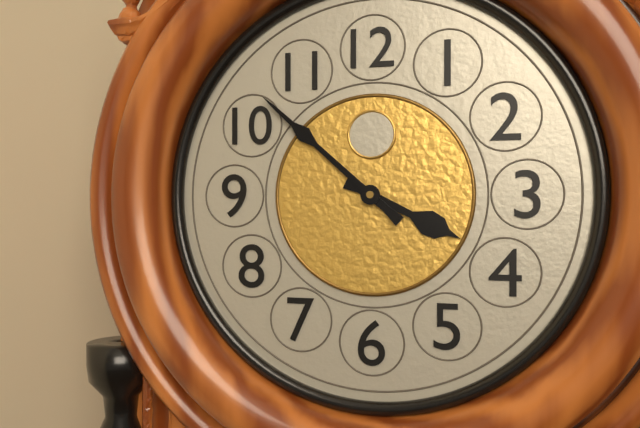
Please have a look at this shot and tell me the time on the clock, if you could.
3:52
